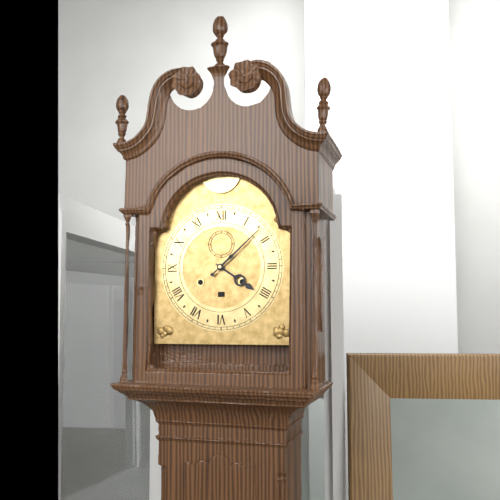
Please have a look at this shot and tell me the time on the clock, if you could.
4:08
